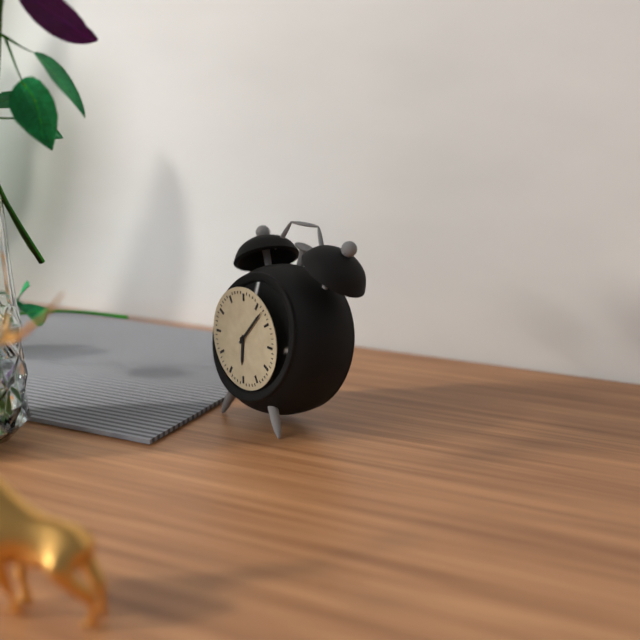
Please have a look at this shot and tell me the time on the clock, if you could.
6:07
